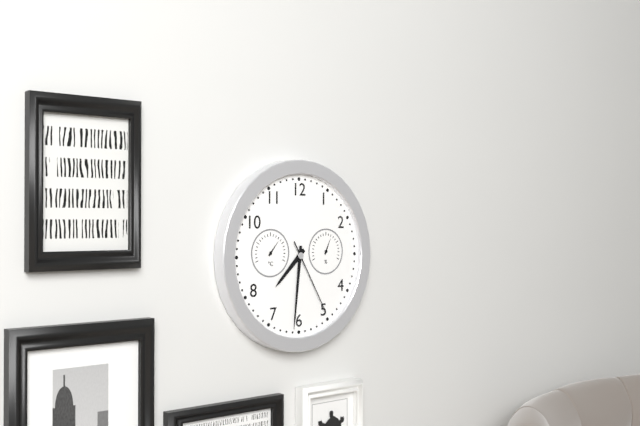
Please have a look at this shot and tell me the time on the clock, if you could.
7:31:25
